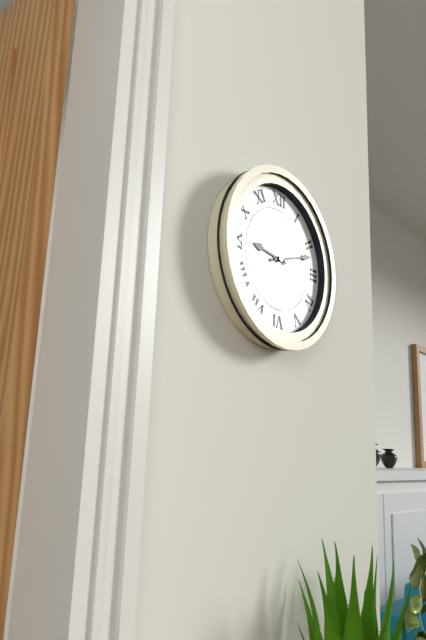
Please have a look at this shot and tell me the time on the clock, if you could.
9:12:22
